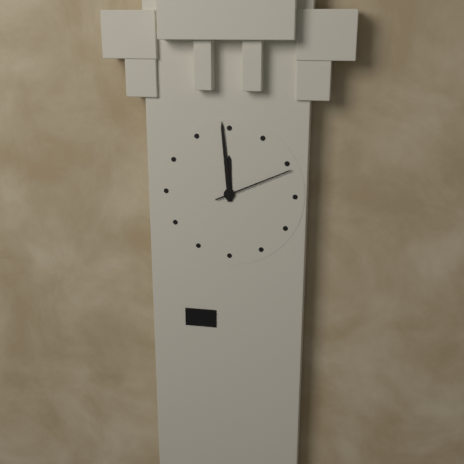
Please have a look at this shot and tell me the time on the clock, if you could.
11:59:11
